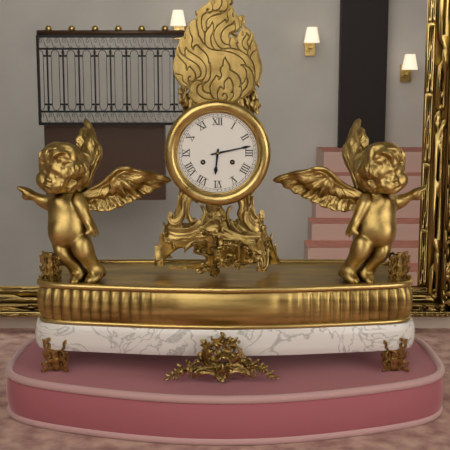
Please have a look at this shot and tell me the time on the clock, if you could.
6:13
